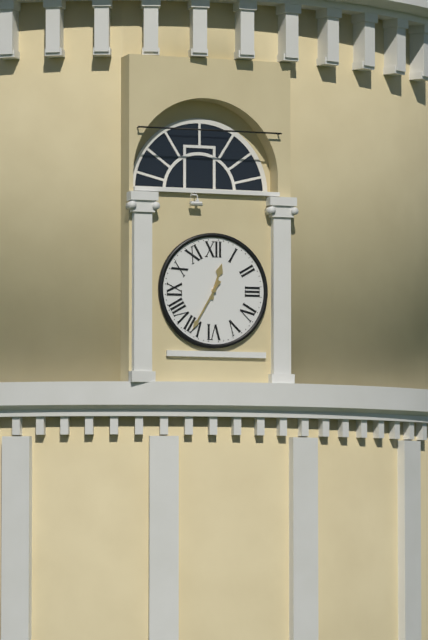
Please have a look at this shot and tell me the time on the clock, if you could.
12:35
